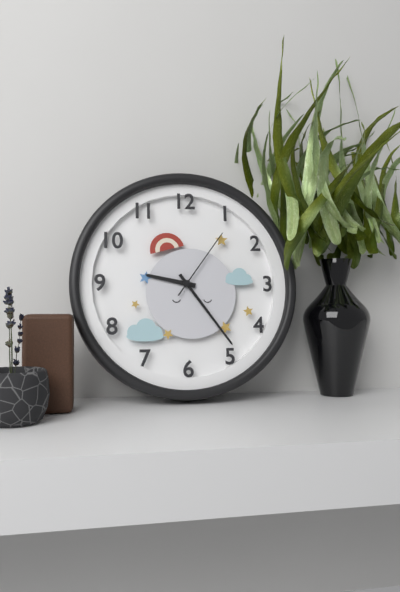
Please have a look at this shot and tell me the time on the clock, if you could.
9:24:06
